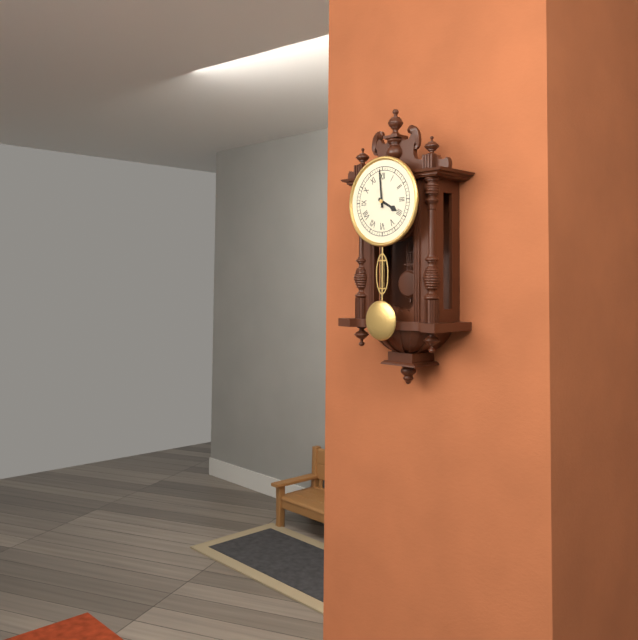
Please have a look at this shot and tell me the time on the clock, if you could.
3:59
